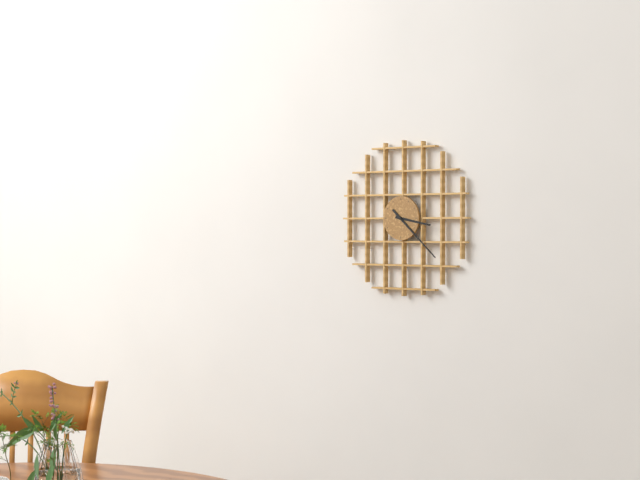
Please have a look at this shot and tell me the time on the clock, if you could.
3:22
